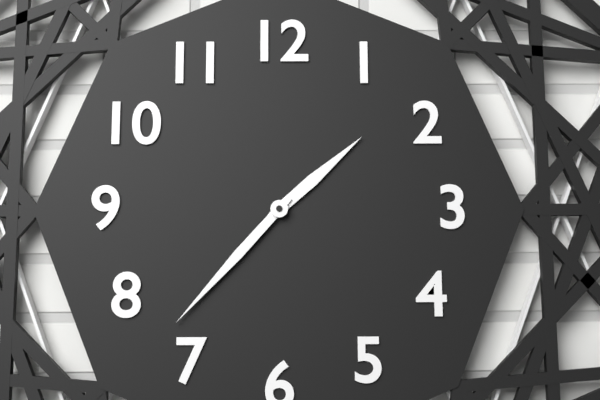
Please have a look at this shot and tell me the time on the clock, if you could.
1:37
